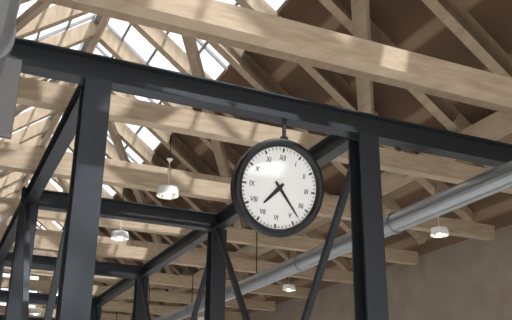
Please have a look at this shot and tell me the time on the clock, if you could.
7:23
